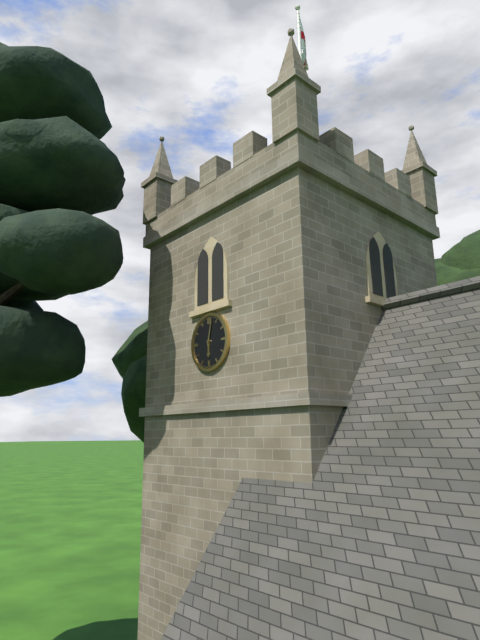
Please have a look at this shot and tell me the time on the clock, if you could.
6:02
